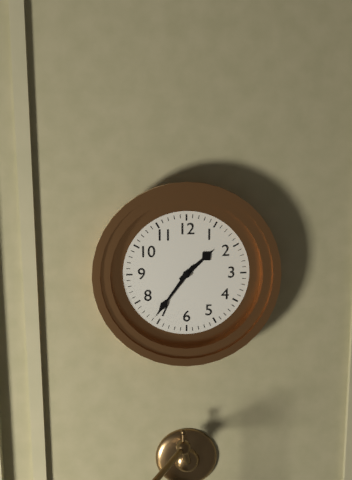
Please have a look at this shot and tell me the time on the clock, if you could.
1:36
